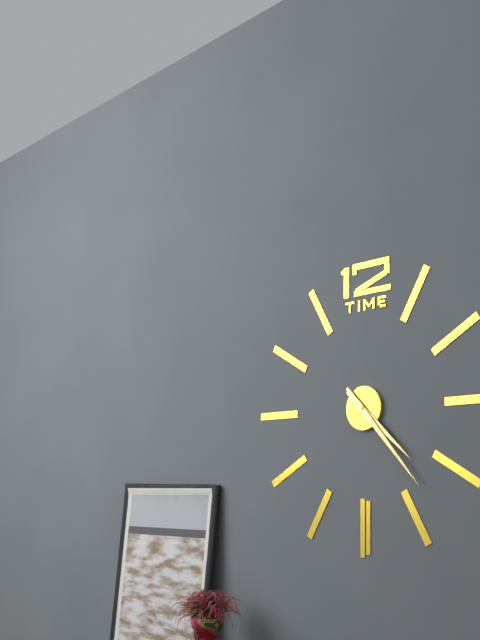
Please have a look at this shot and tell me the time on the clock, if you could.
4:23
